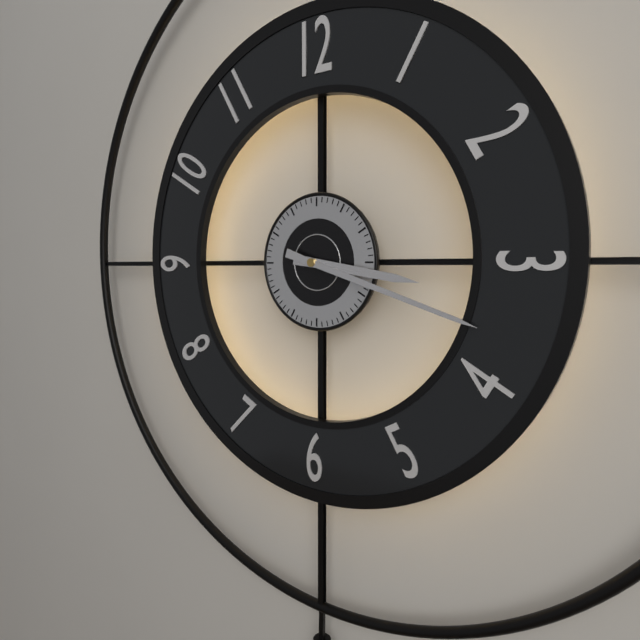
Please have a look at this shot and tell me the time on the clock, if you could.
3:18
